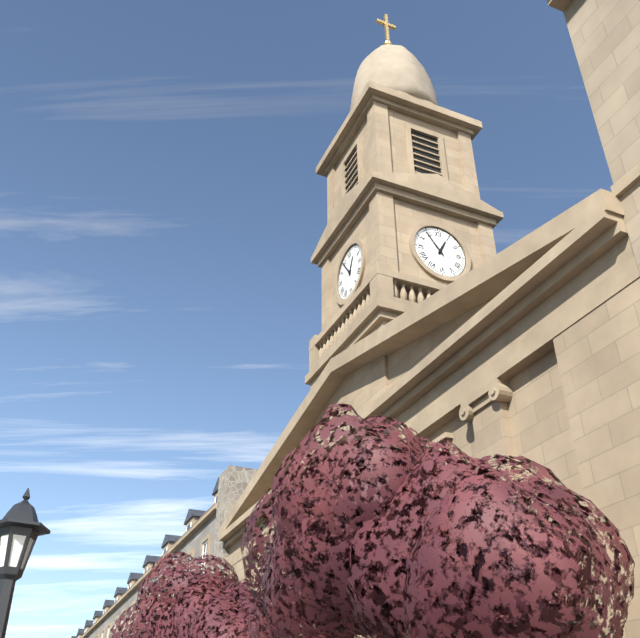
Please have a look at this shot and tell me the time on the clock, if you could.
12:54
